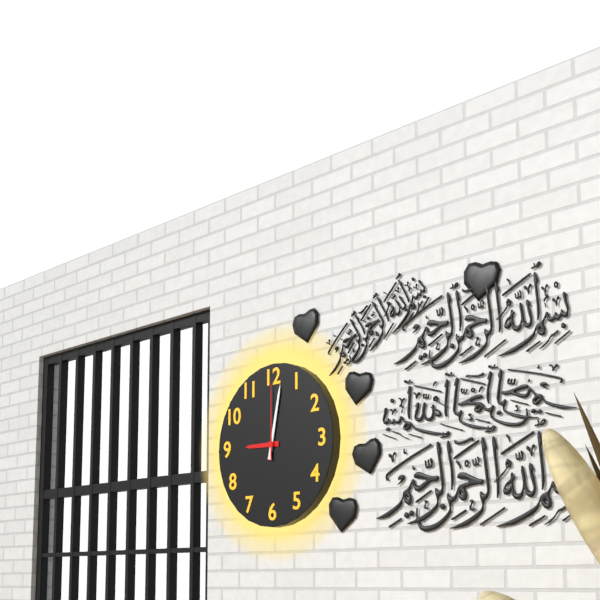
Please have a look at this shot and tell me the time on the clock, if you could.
9:02:00
